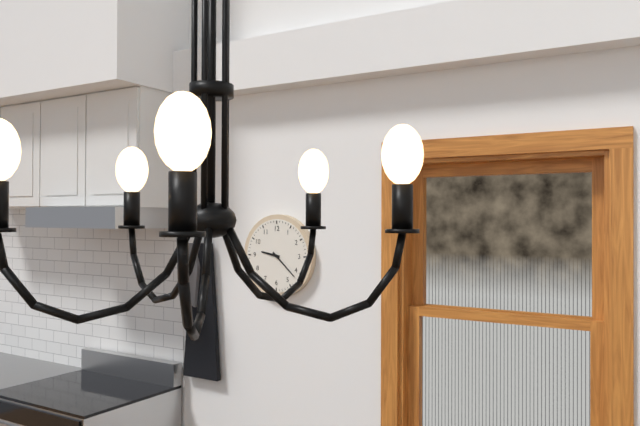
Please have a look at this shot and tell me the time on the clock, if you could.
9:22
